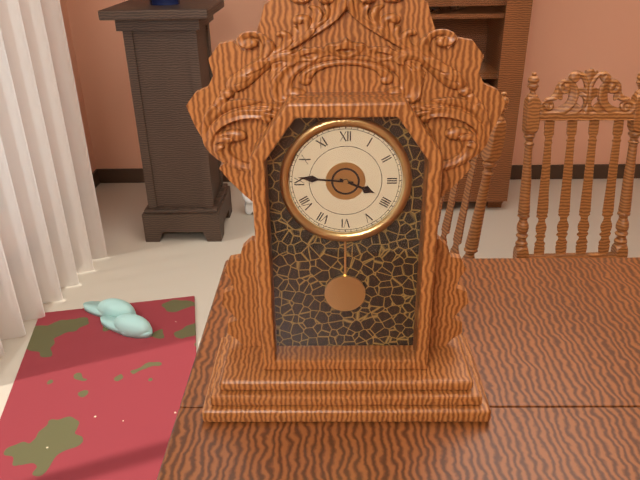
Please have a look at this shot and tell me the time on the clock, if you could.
3:46
